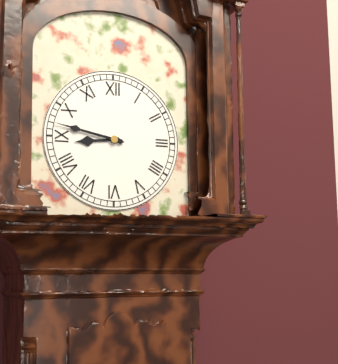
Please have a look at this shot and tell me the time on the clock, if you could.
8:47
